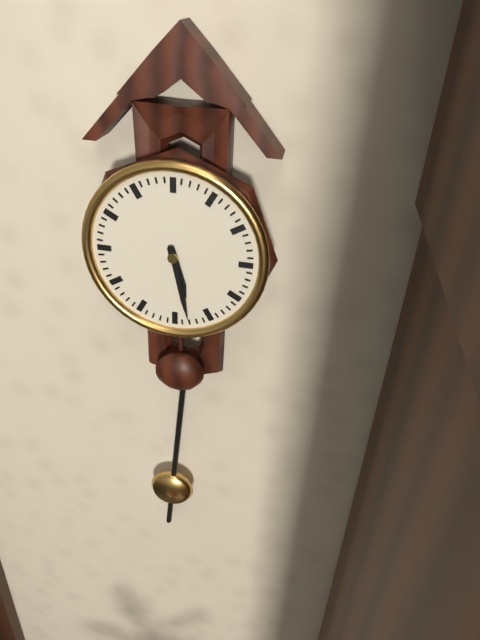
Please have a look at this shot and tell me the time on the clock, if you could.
5:28
